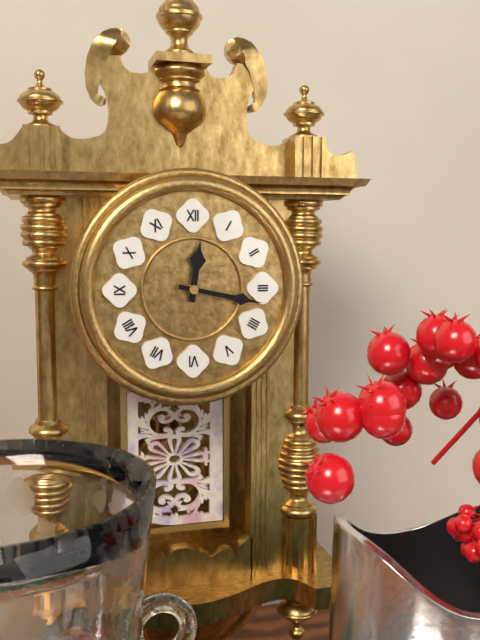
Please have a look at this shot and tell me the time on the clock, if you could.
12:17
